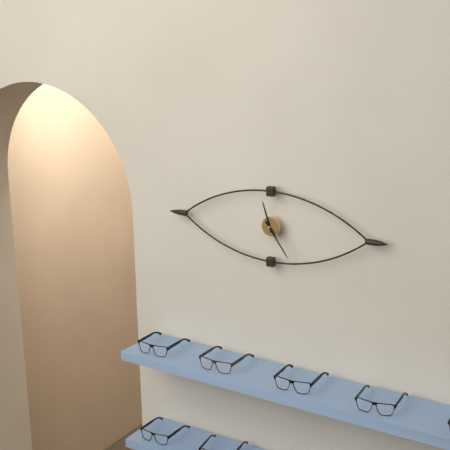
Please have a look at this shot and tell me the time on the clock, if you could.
11:24
